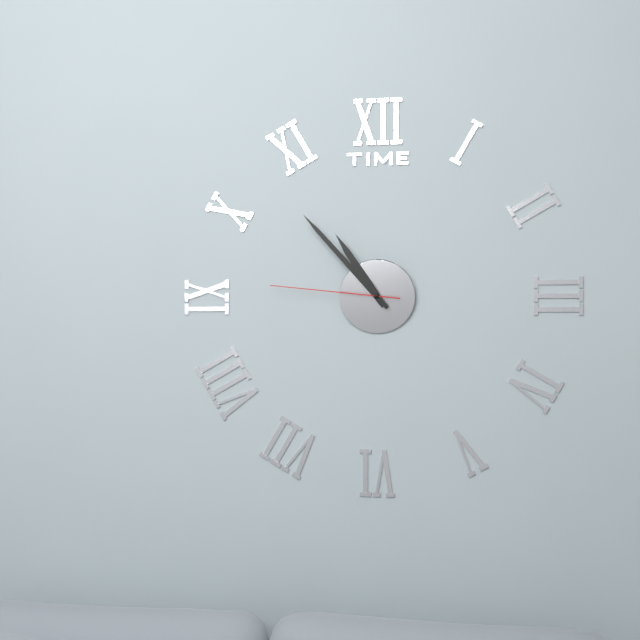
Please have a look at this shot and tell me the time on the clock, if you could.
10:53:46
